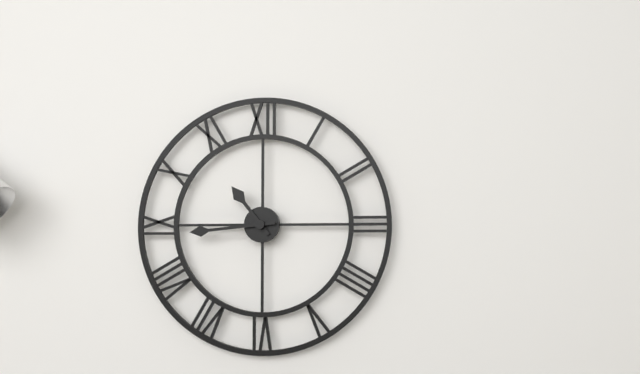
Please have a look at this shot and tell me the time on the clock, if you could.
10:44
